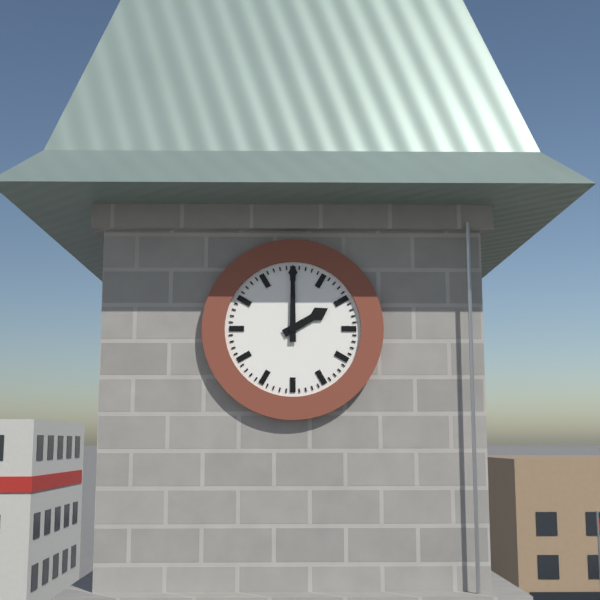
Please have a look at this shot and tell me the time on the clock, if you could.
2:00
